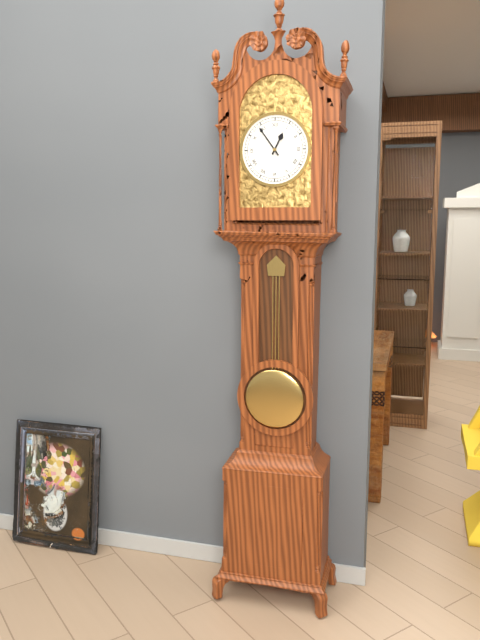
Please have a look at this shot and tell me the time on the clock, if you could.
12:54
